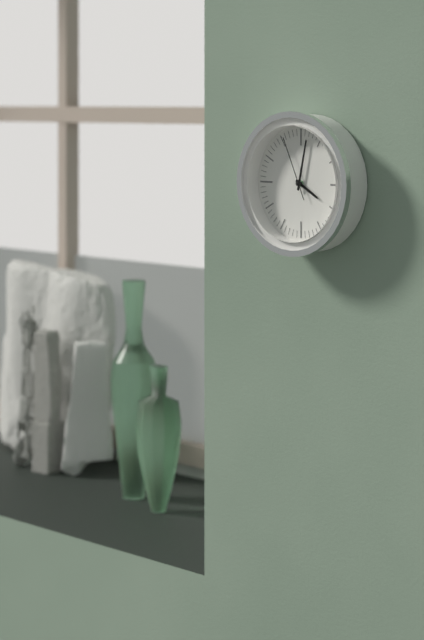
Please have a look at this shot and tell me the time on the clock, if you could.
4:02:56
